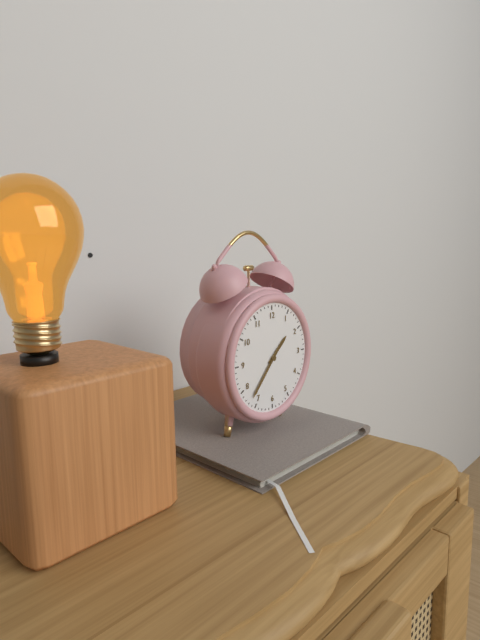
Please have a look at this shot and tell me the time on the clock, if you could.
1:37
